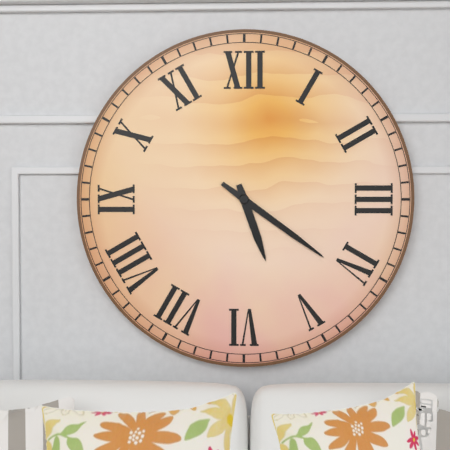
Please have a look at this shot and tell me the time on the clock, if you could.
5:21
